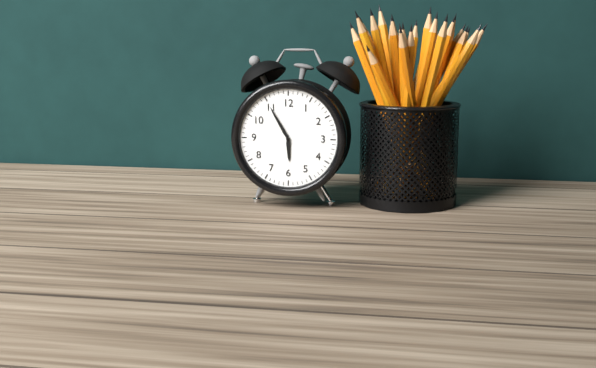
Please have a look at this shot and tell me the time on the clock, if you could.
5:55
